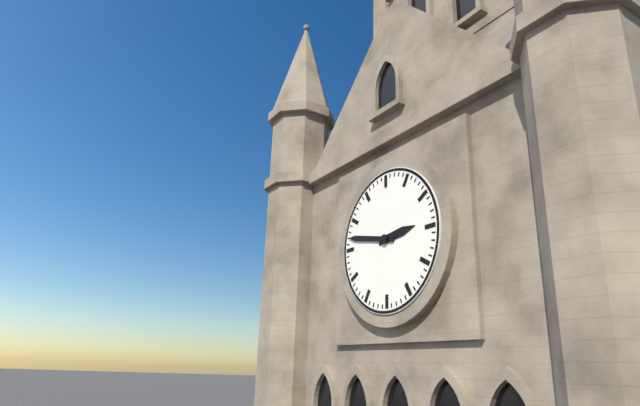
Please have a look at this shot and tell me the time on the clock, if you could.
2:47
